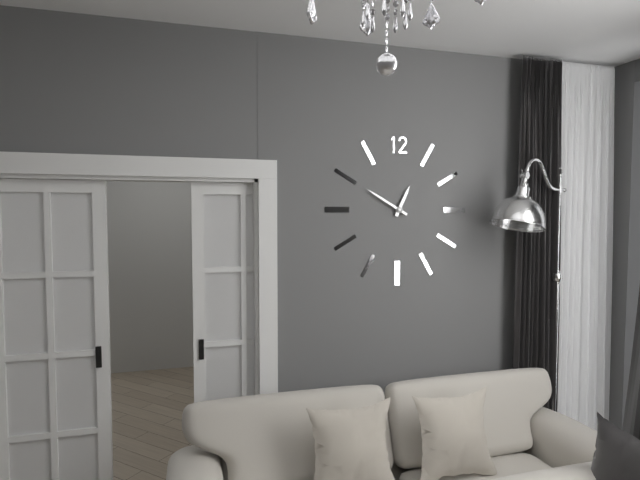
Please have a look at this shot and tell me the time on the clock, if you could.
12:50
